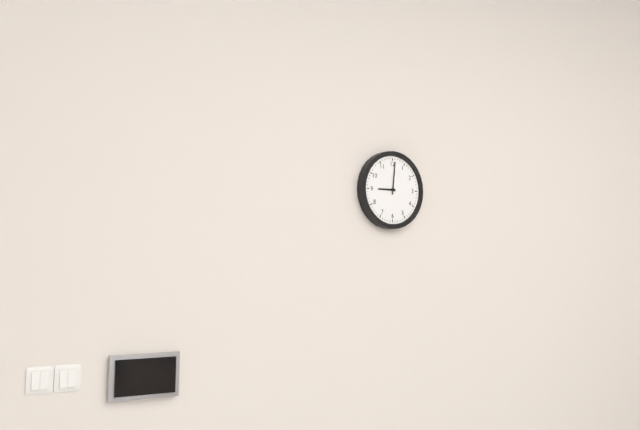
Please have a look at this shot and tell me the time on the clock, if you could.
9:01
